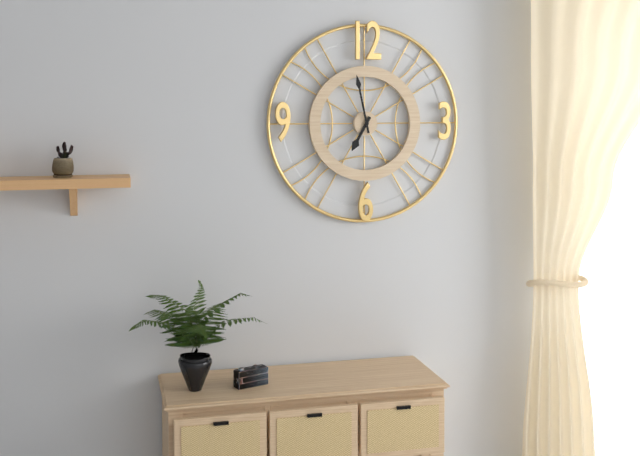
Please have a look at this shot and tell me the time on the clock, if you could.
6:58
